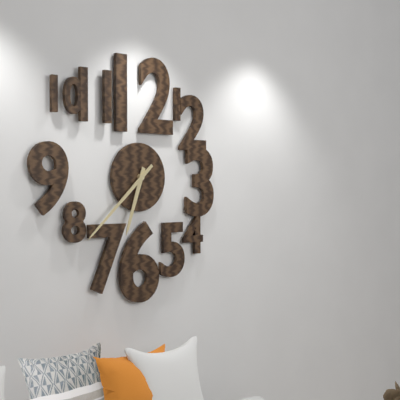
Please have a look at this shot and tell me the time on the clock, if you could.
6:38
